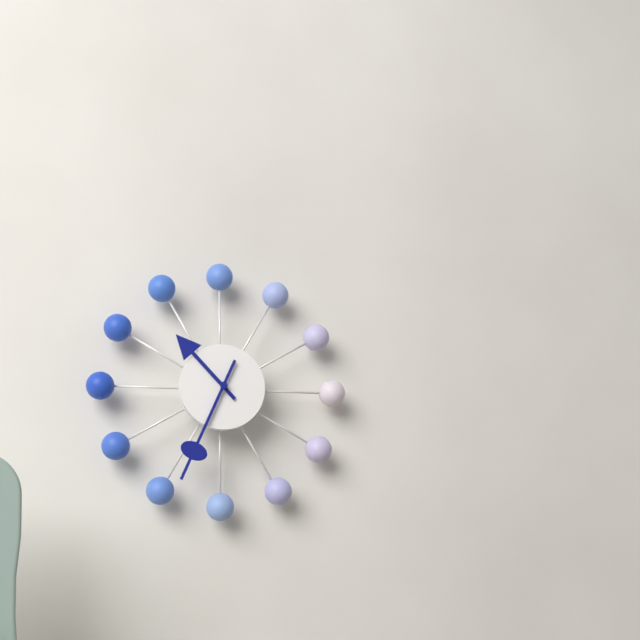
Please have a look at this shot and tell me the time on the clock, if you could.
10:34
